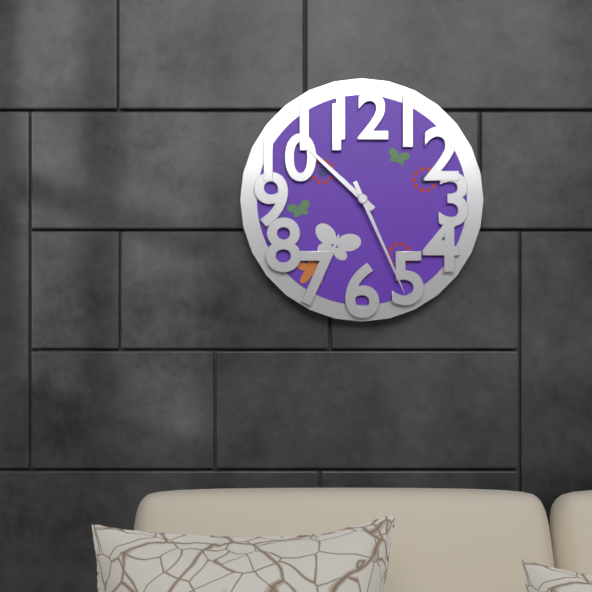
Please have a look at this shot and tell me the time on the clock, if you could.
10:26
